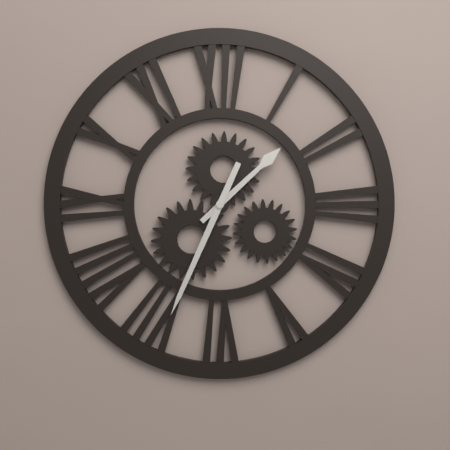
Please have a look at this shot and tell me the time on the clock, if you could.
1:34
